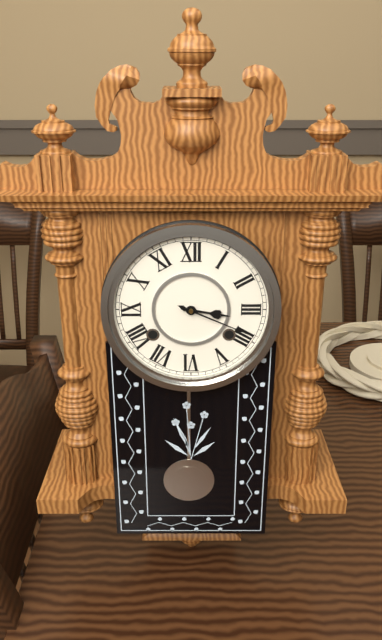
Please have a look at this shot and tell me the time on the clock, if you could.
3:19
